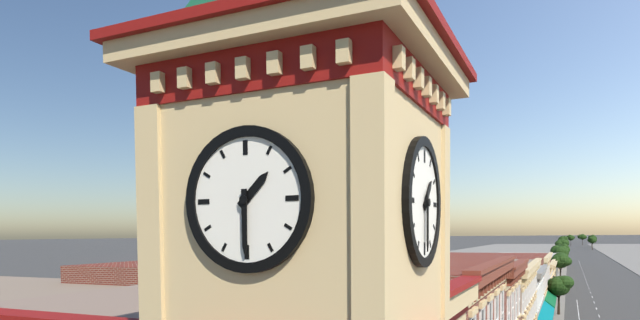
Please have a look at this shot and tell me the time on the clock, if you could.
1:30
